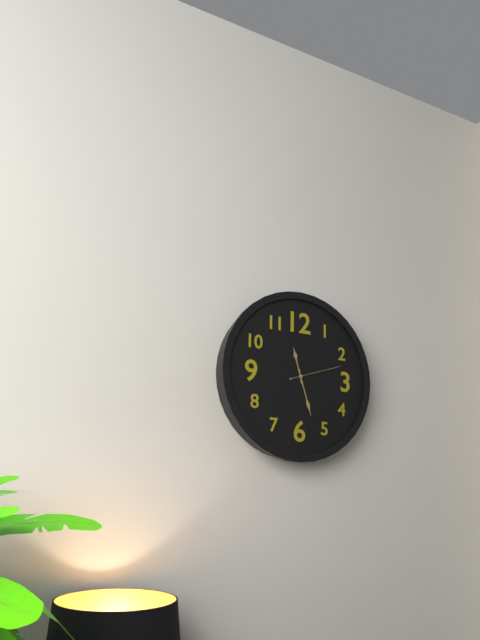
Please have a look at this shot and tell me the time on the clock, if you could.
11:27:12
